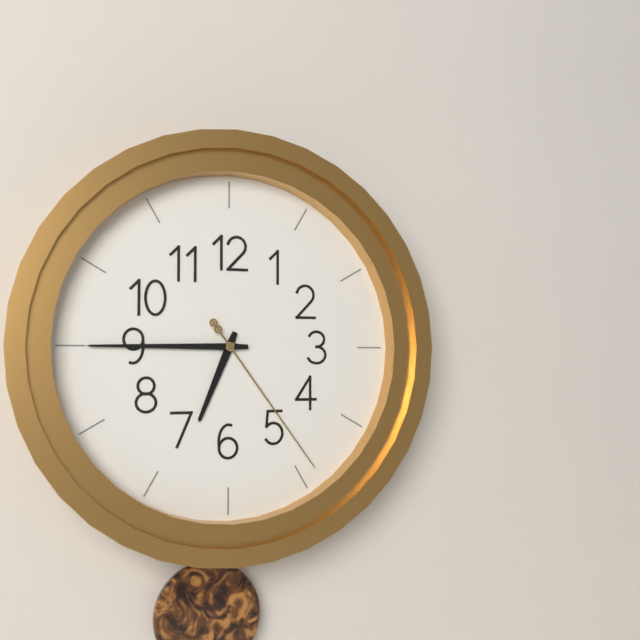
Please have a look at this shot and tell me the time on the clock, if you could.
6:45:24
